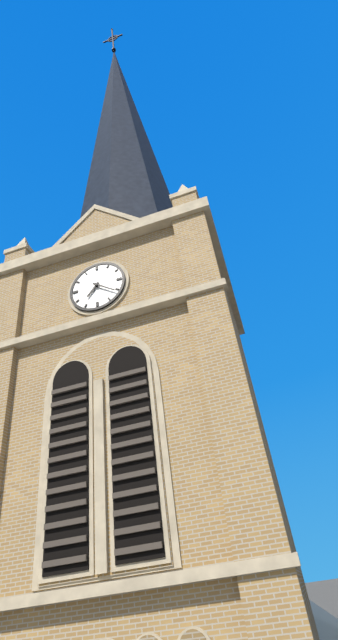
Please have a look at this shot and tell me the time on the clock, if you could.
7:21
